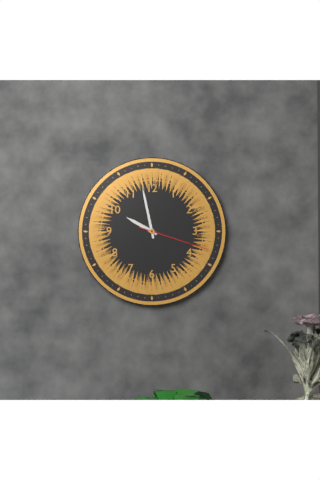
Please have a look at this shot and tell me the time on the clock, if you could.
9:58:18
